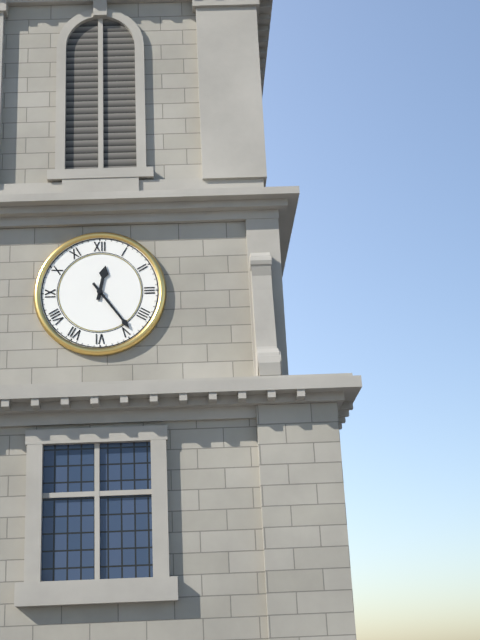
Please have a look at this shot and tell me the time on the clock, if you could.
12:24
